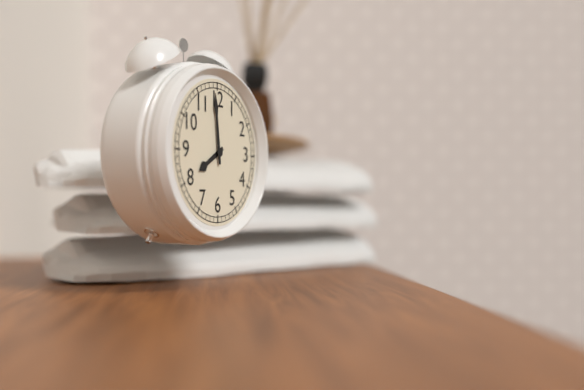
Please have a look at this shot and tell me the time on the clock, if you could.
7:59
